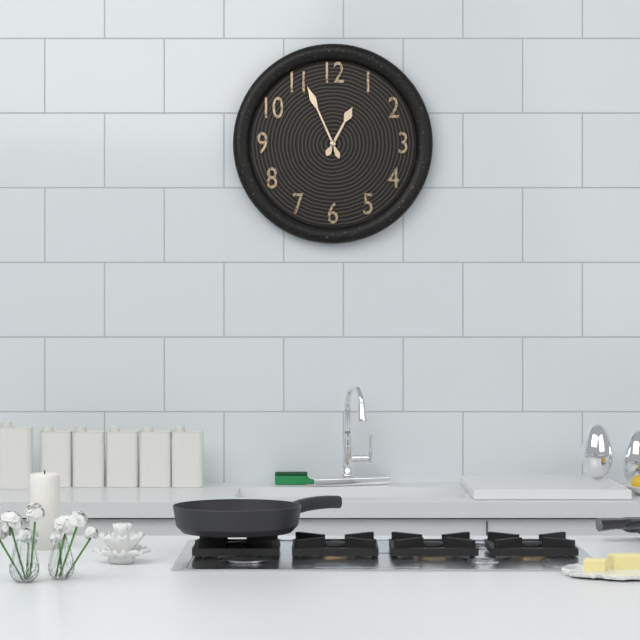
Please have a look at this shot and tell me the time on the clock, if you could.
12:56
